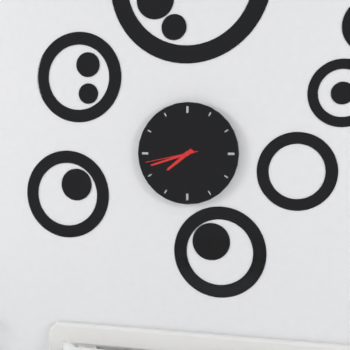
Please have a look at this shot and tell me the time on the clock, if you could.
7:42:43
